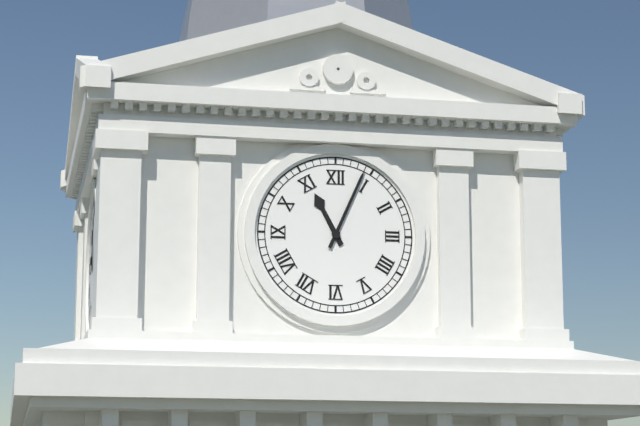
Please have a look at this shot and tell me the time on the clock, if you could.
11:04
